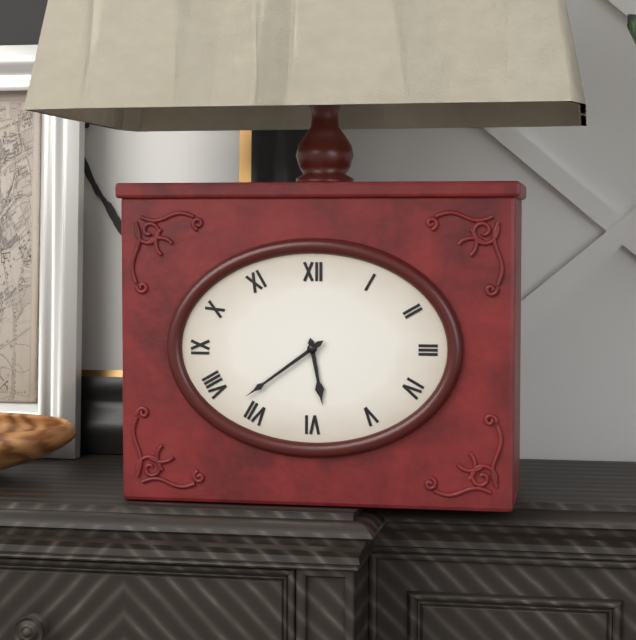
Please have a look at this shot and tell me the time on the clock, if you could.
5:39
